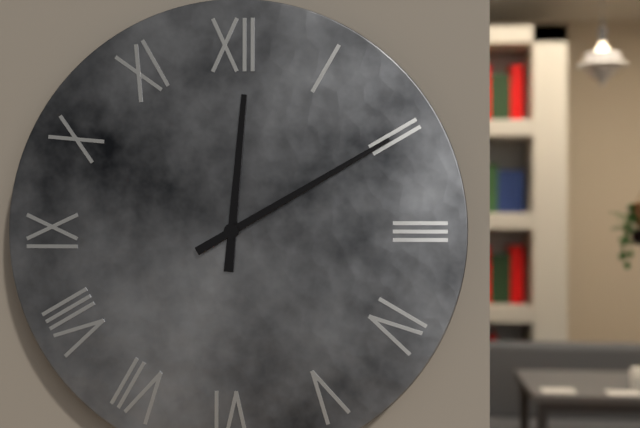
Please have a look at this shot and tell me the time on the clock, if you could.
12:10
